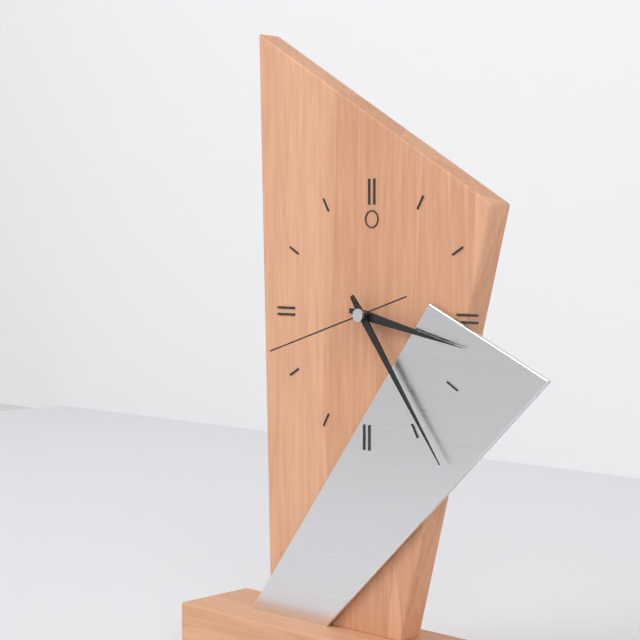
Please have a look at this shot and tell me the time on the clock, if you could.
3:24:42
